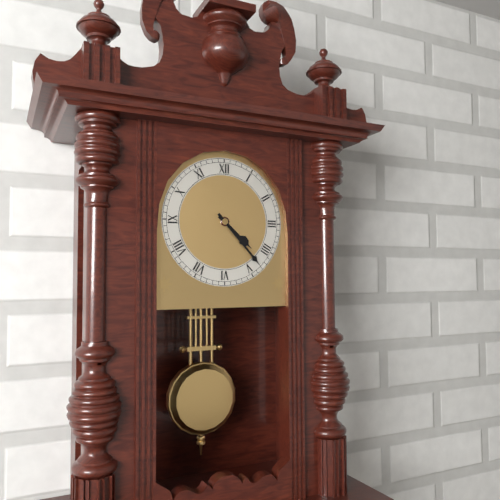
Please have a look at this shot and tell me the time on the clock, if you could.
4:23
